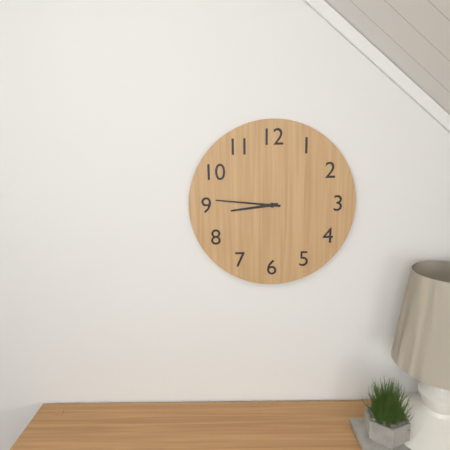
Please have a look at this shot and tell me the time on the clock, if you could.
8:46
